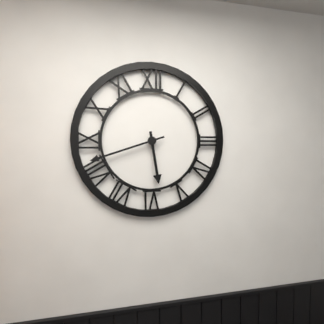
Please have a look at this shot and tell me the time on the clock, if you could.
5:42
